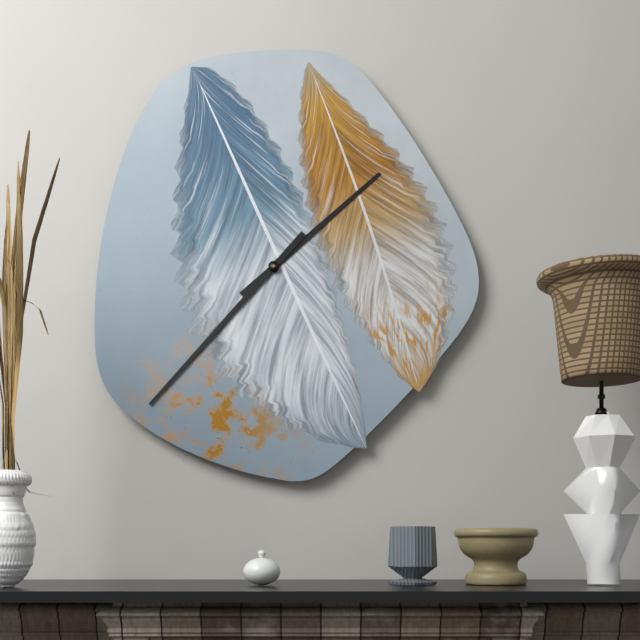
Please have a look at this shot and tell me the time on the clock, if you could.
1:37
